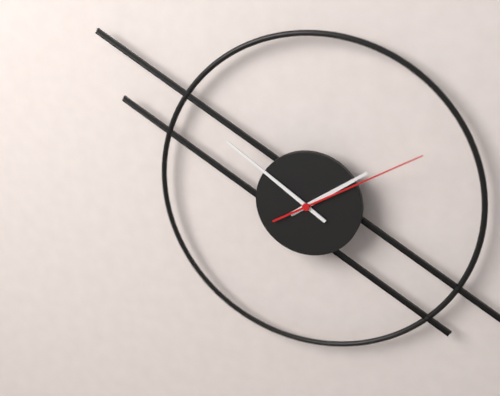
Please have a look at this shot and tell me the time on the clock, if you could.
1:51:10
